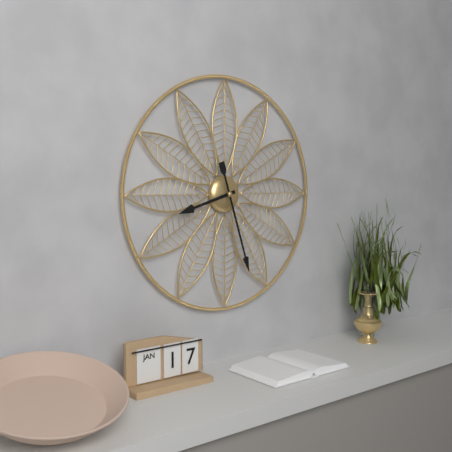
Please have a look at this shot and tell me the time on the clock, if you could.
8:27
